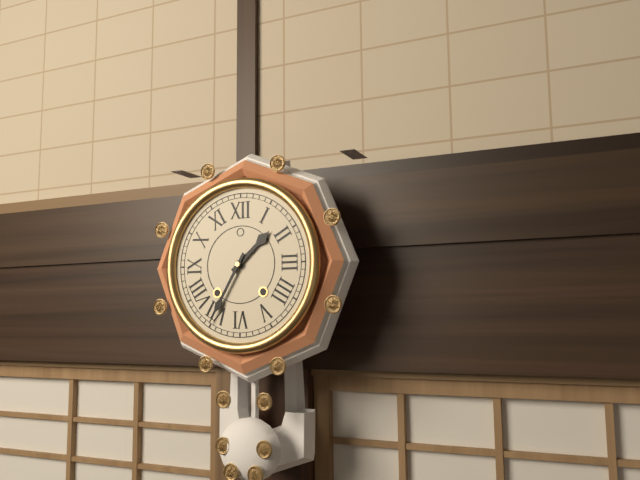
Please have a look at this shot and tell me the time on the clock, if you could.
1:35
